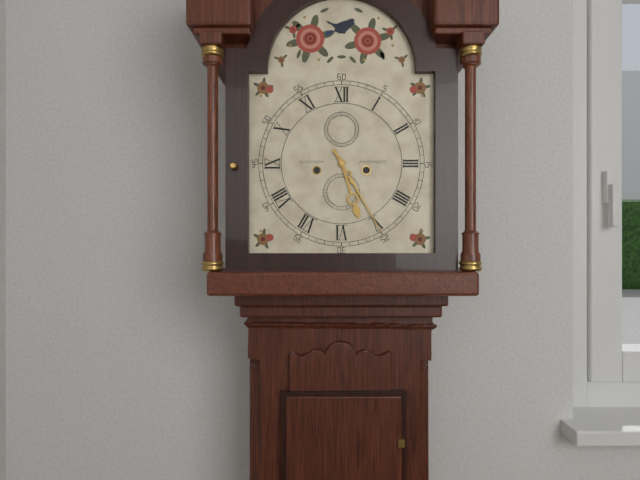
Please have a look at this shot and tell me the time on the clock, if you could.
5:25
